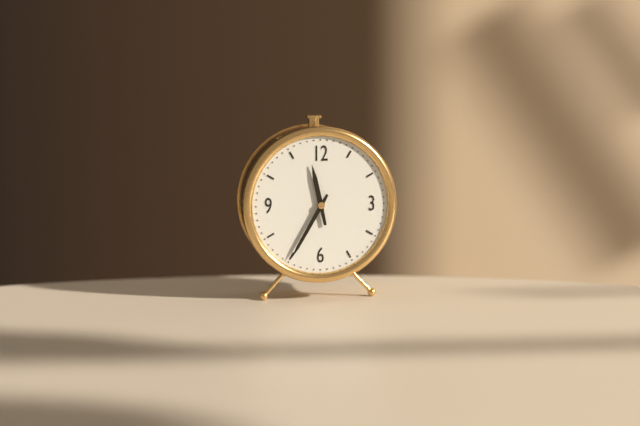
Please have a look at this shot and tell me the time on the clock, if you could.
11:35
